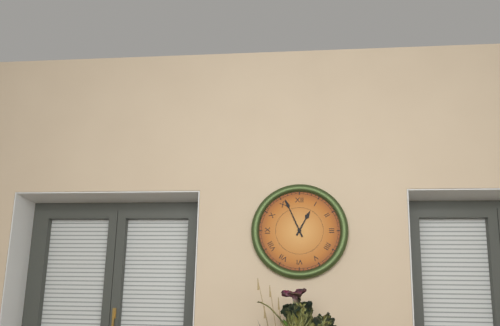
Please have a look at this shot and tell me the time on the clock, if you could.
12:56
